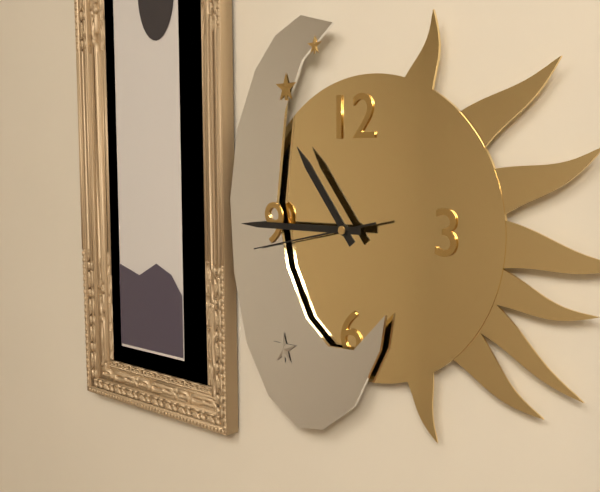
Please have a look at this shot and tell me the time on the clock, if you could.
10:45:43
